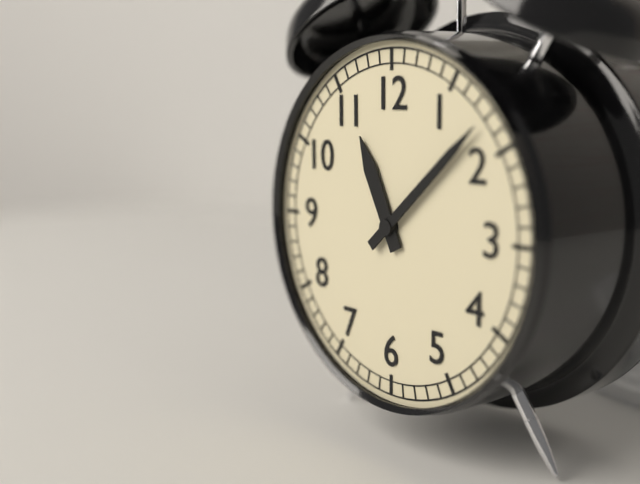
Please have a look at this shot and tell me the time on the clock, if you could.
11:08
